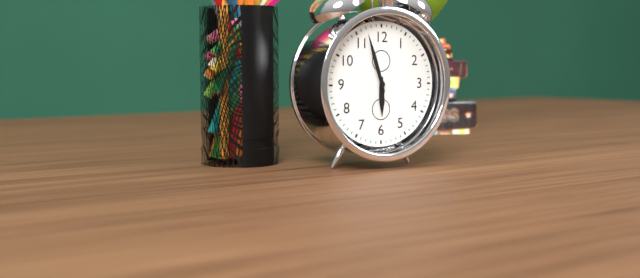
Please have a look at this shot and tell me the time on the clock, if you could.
5:57
